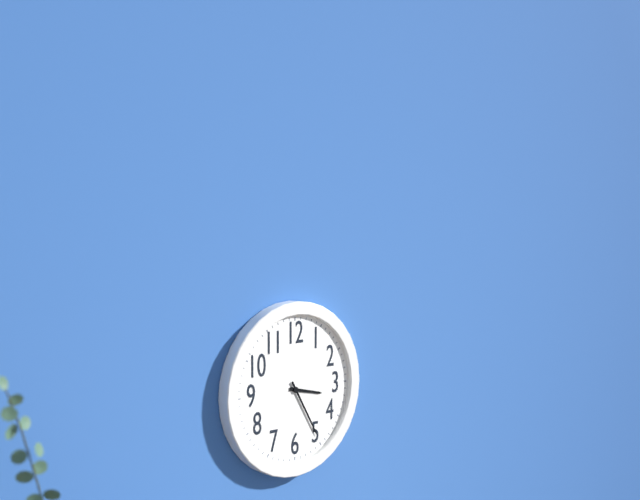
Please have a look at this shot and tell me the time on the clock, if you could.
3:25
